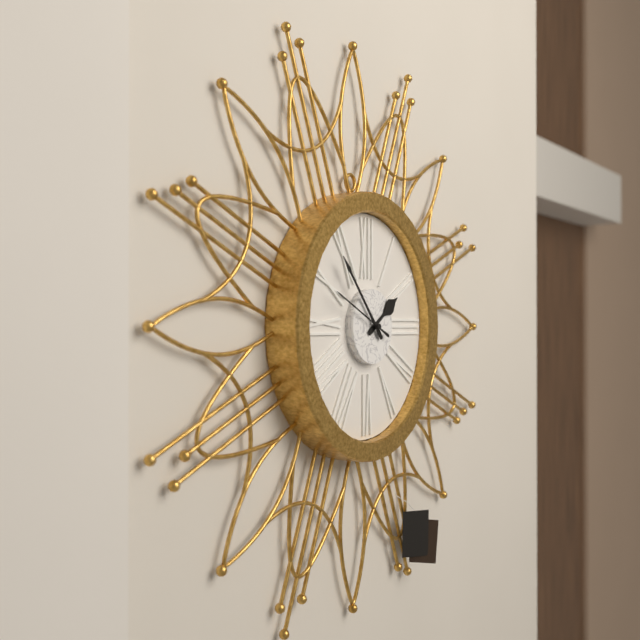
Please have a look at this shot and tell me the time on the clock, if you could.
1:53:49
